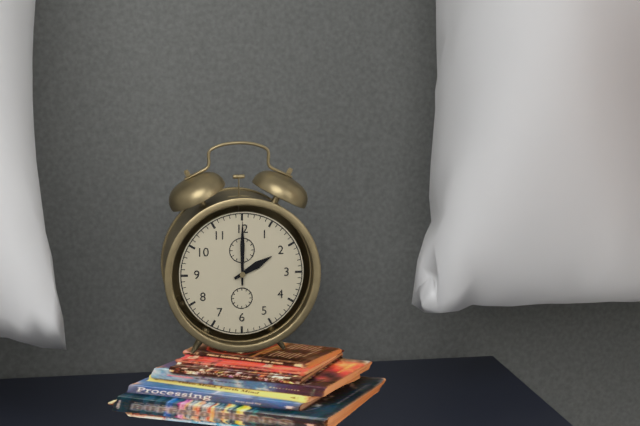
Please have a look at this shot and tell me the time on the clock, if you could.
2:00
